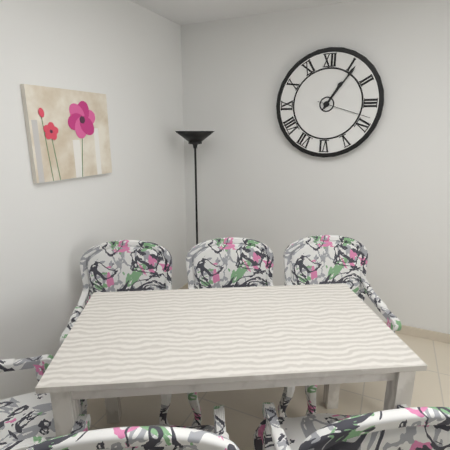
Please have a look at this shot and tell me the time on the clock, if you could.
1:06:18
